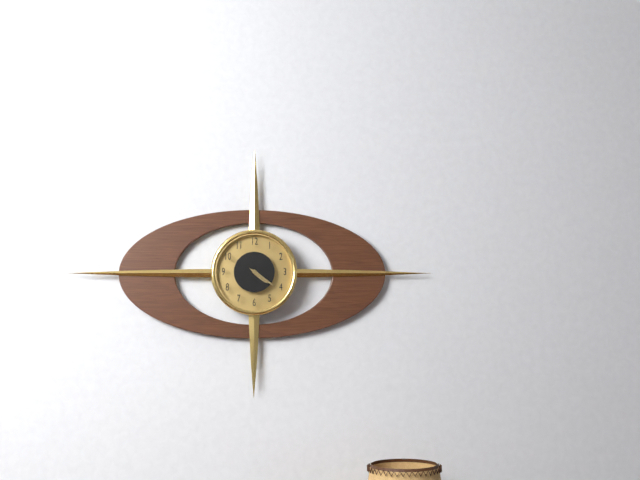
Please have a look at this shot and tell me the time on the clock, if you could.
4:21
